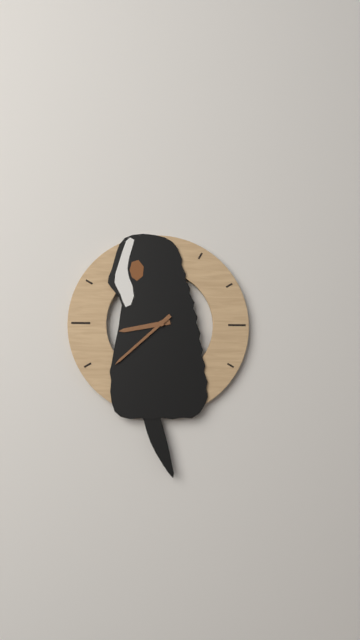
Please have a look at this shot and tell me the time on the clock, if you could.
8:38
